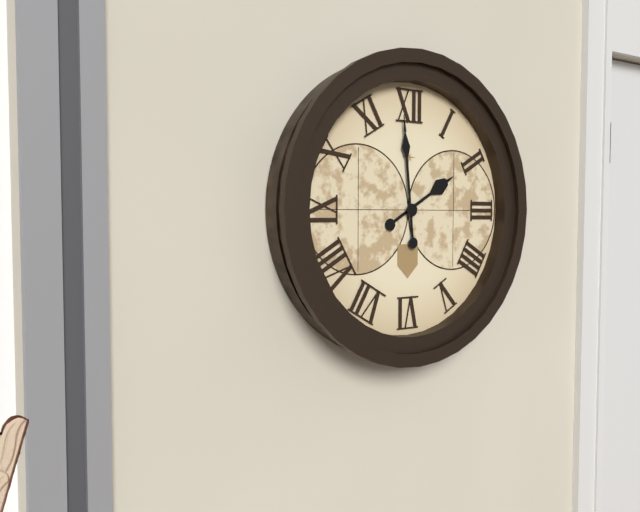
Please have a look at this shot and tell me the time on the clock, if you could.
1:59
